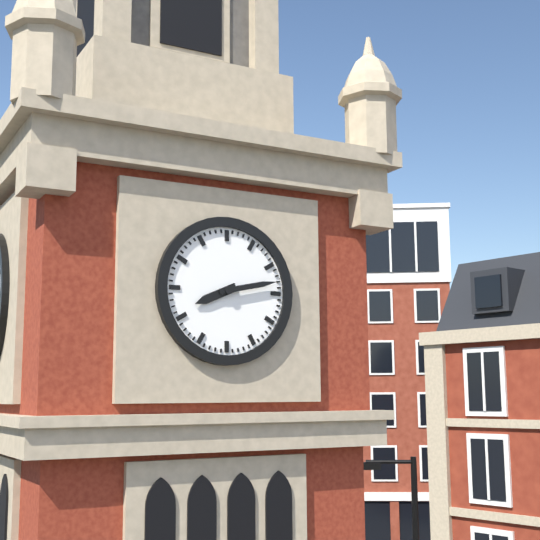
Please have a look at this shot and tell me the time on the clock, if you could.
8:13
